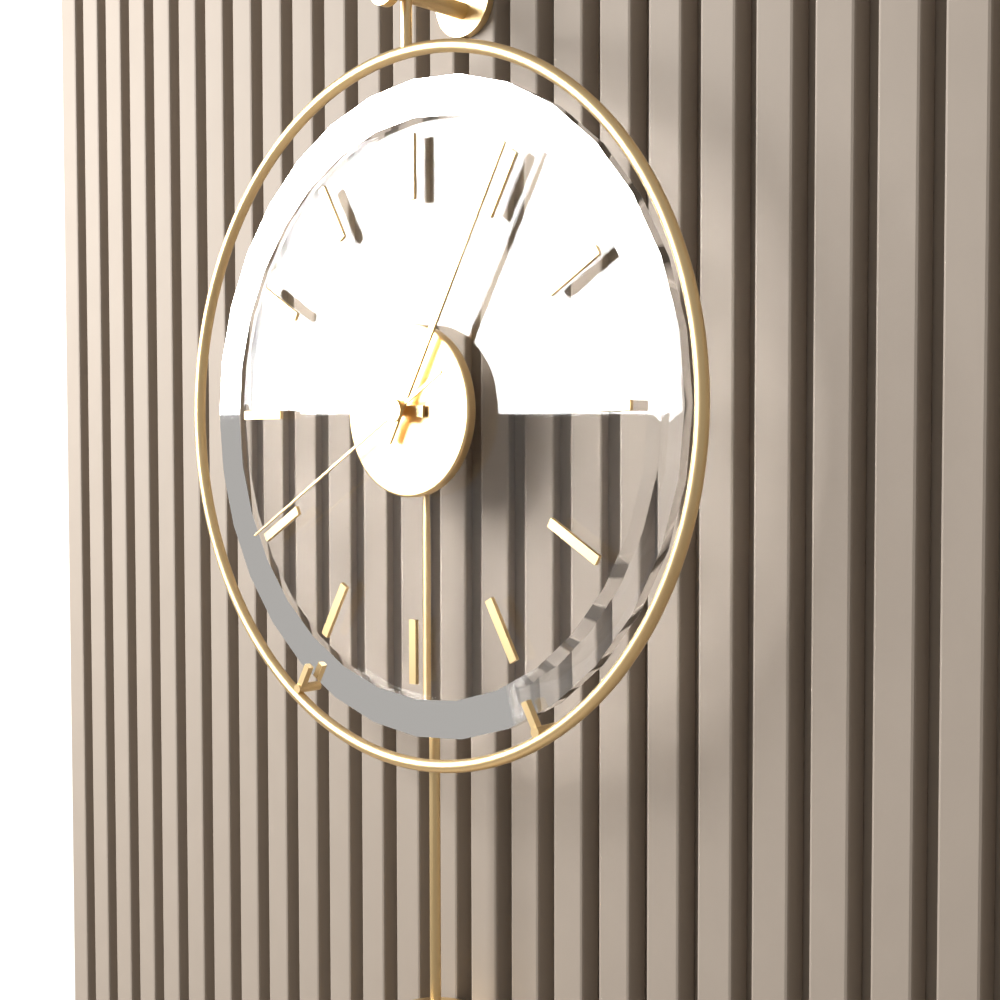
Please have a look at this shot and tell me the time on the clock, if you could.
9:05:40
